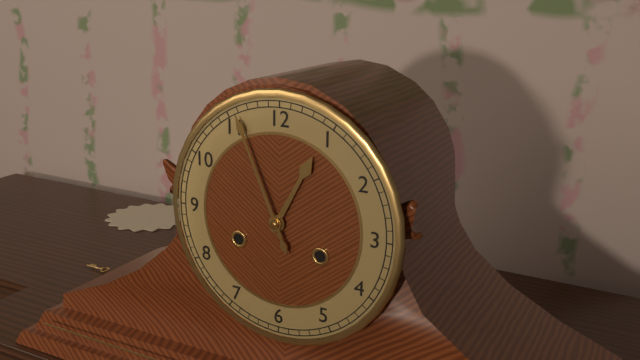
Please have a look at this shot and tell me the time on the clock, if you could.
12:56
